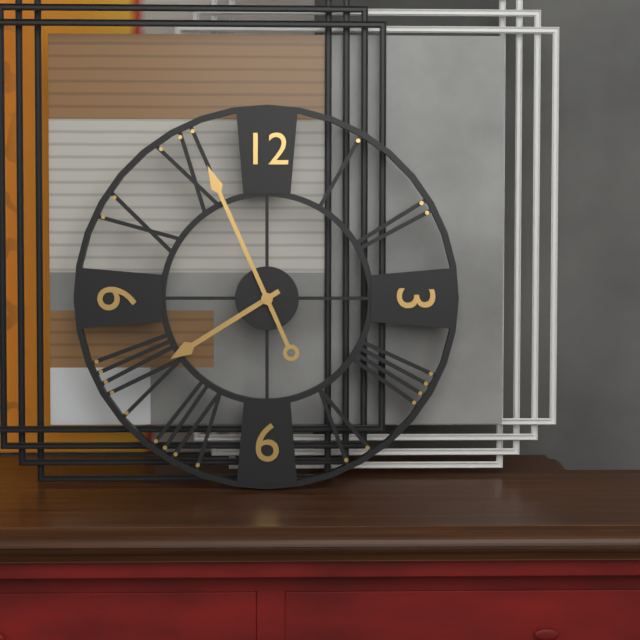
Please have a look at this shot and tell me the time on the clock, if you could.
7:56
